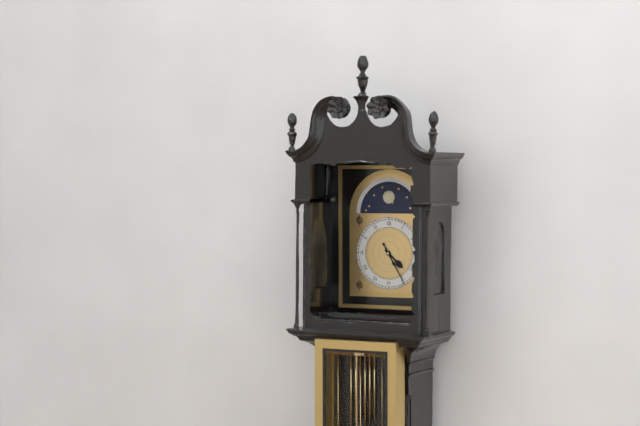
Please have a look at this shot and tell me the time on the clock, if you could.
4:25
